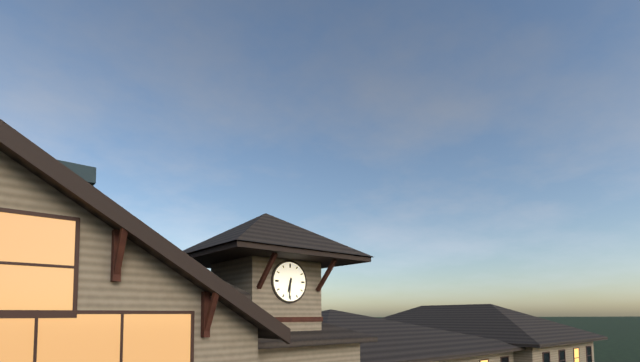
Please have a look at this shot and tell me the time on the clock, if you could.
6:31
